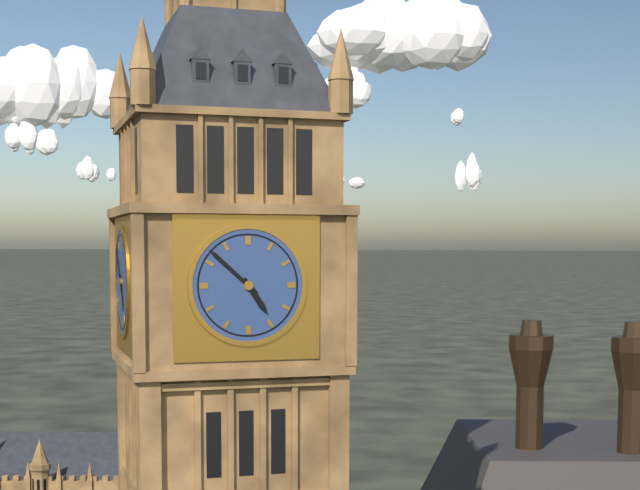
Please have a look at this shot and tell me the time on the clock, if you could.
4:52
